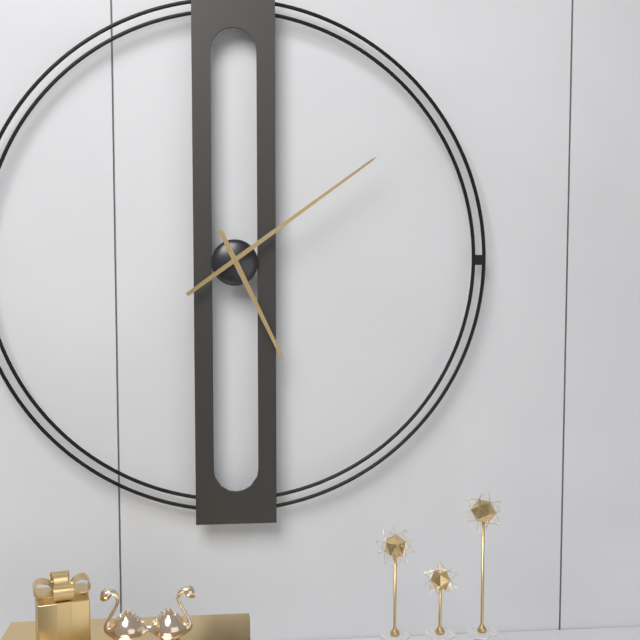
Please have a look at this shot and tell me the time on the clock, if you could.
5:09
